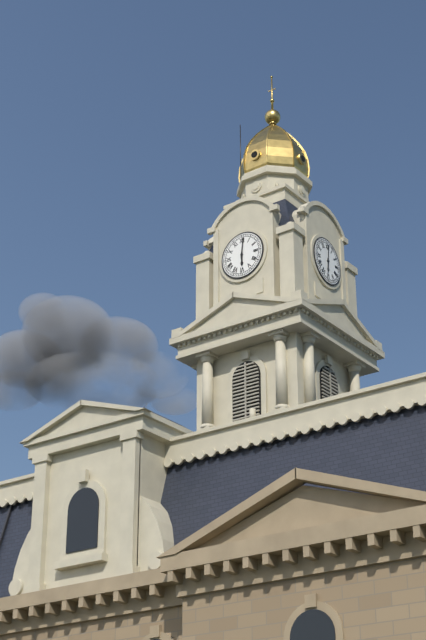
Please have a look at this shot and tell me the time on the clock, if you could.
6:01
